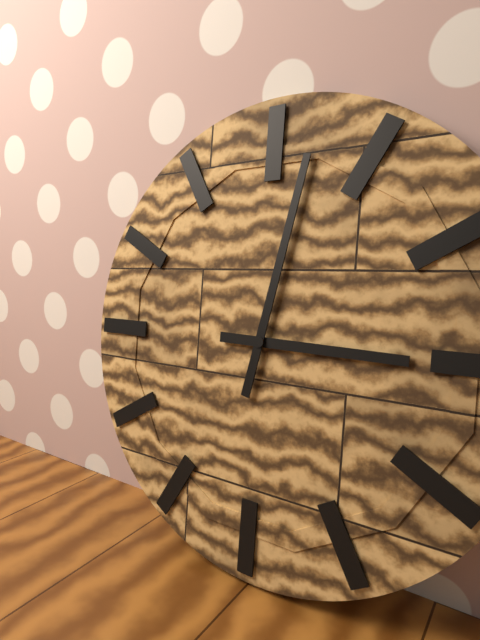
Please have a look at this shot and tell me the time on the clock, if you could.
3:02
